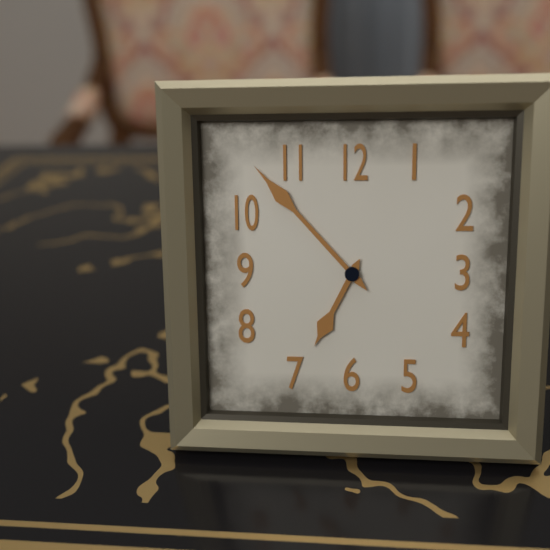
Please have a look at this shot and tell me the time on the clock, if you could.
6:53
